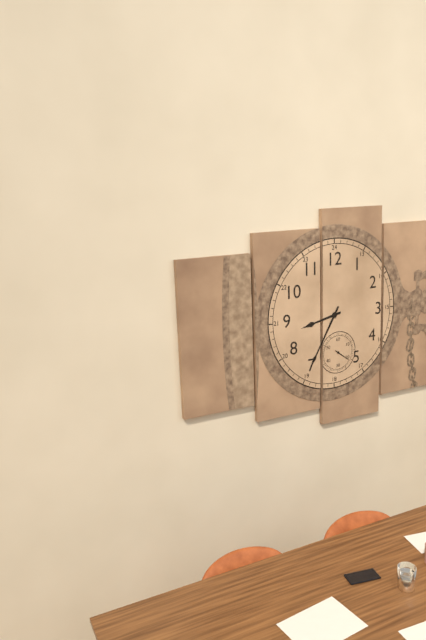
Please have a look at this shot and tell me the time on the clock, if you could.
8:35
